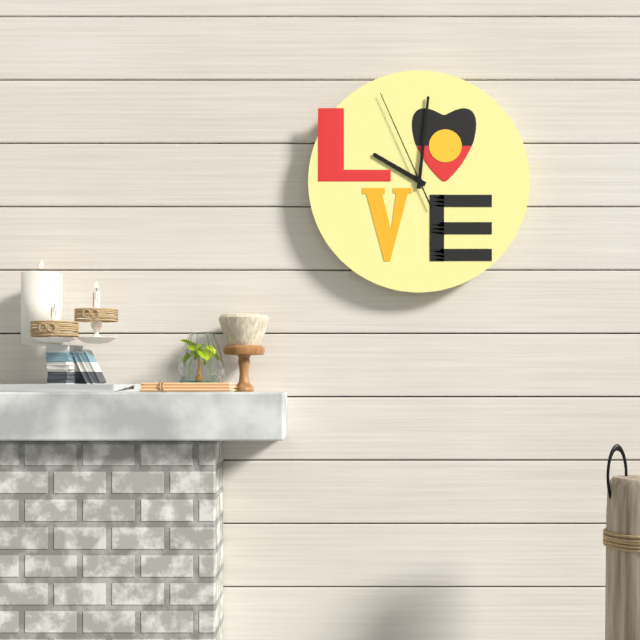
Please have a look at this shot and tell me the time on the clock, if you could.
10:01:56
